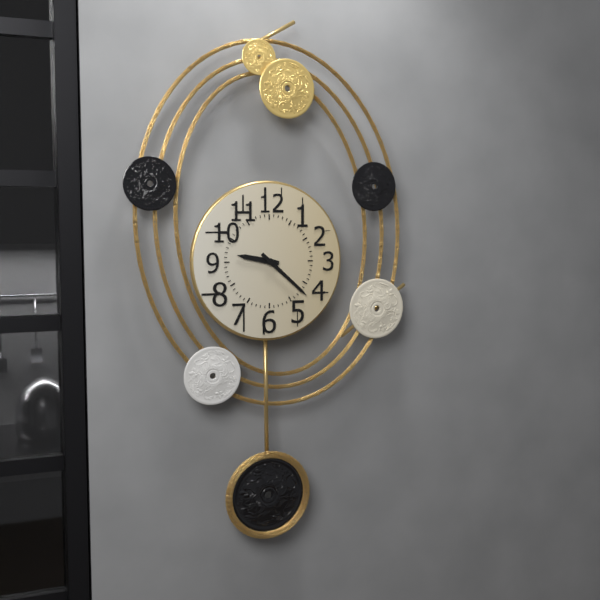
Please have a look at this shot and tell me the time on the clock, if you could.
9:22
